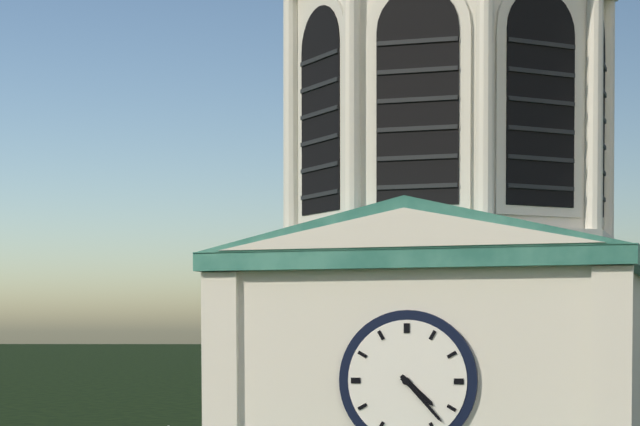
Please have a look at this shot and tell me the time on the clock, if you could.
4:23
